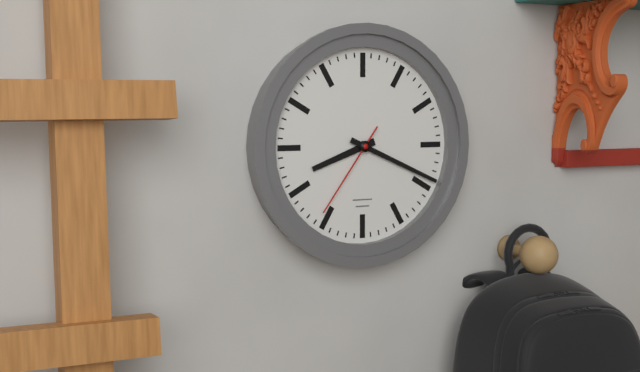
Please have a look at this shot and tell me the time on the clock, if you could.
8:19:36
